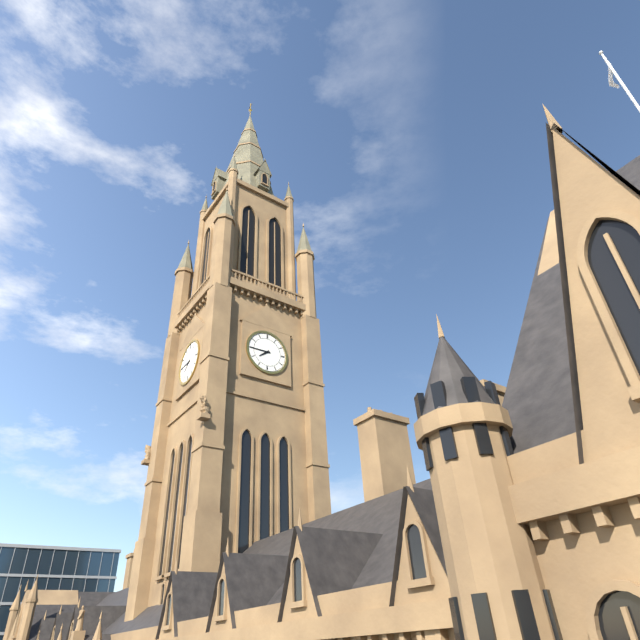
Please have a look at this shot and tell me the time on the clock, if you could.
7:45
